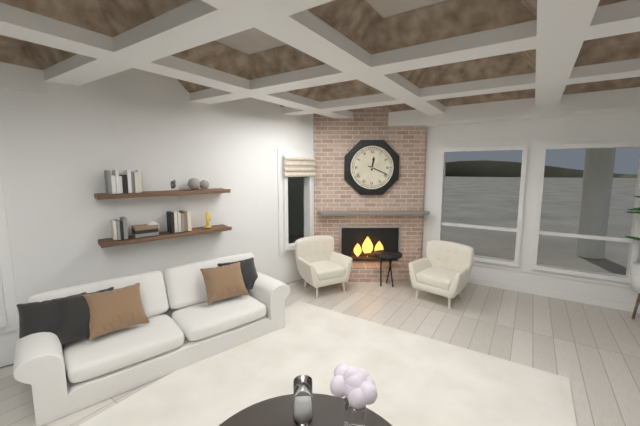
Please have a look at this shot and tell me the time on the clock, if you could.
12:19
